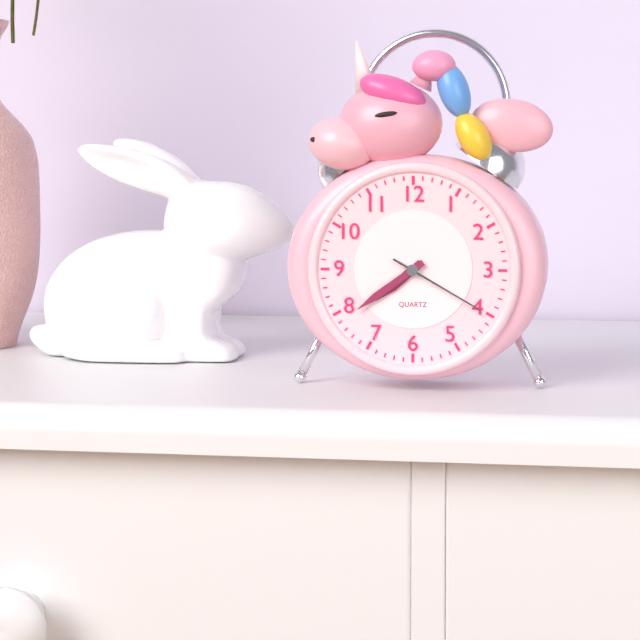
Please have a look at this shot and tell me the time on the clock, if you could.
7:39:20
